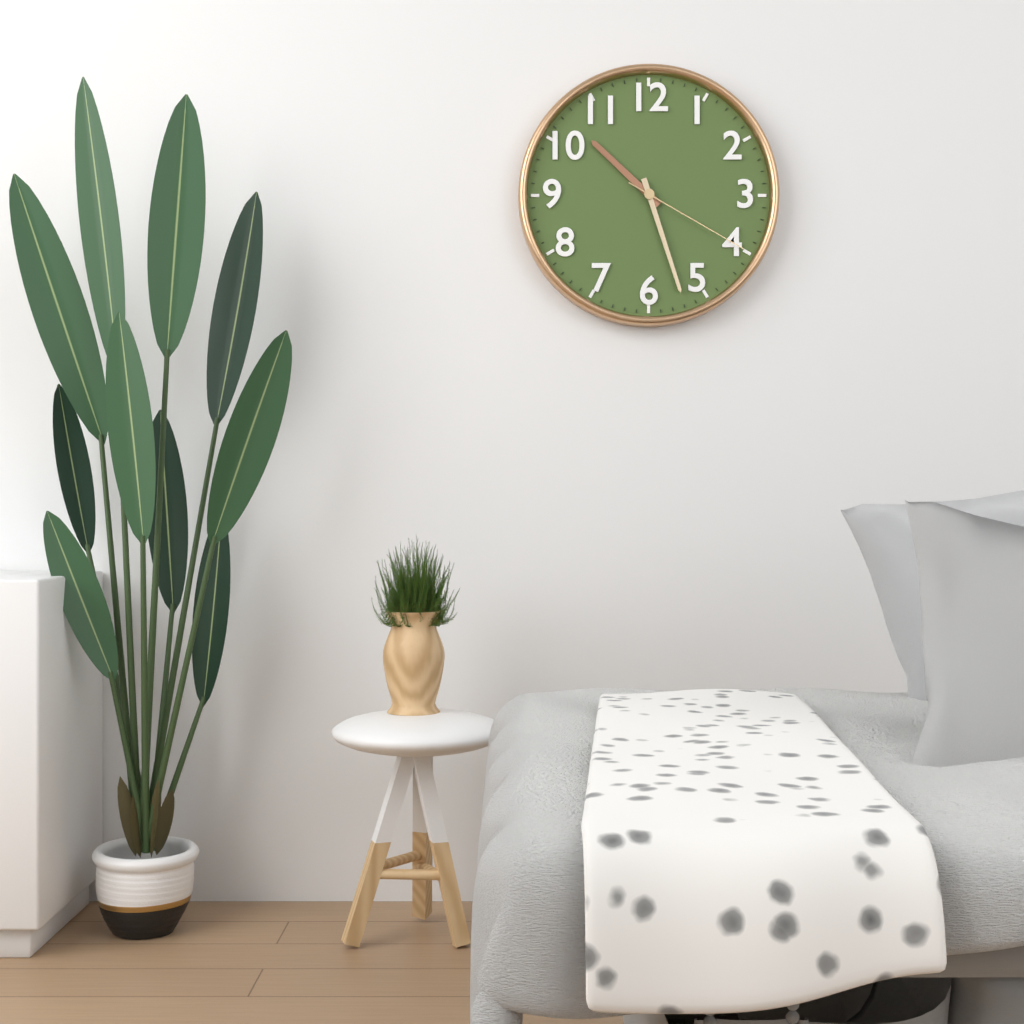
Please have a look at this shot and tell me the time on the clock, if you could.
10:27:20
